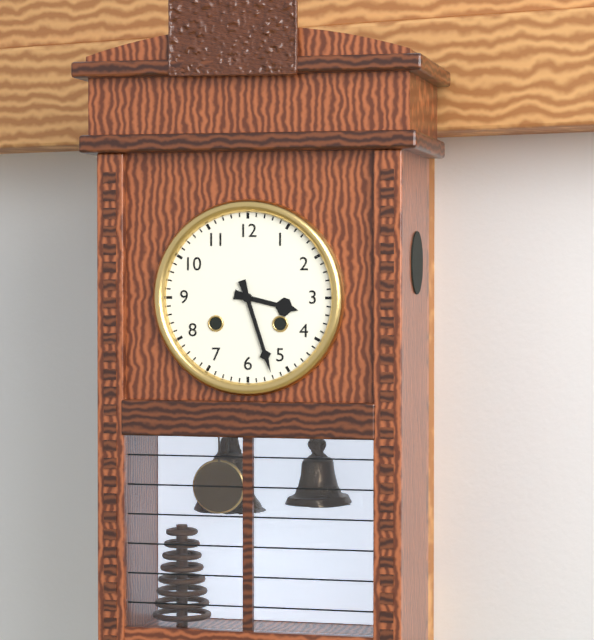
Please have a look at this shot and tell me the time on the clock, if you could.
3:27
